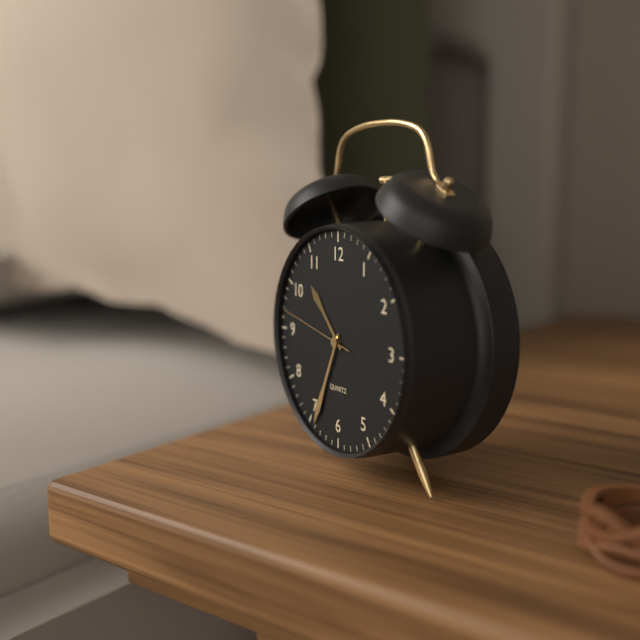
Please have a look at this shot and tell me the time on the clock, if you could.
10:34:47
